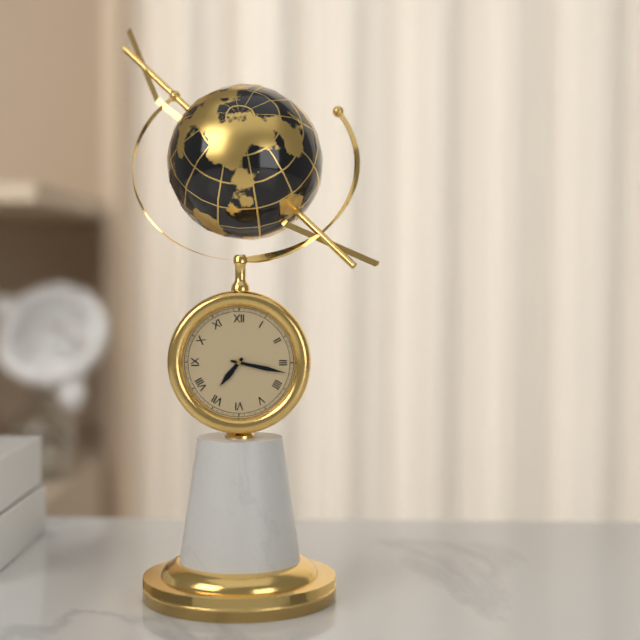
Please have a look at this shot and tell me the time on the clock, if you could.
7:17
